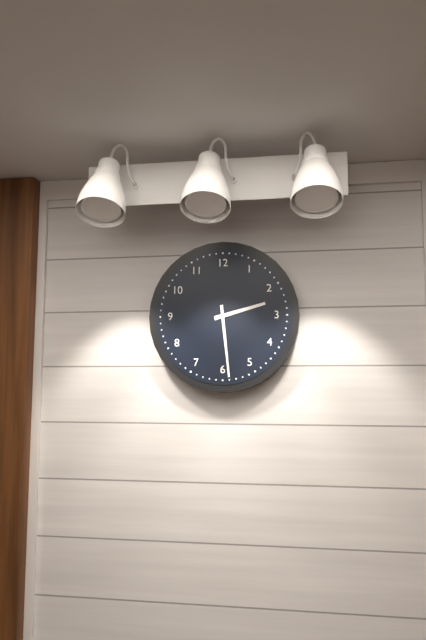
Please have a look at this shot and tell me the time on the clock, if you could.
2:29
